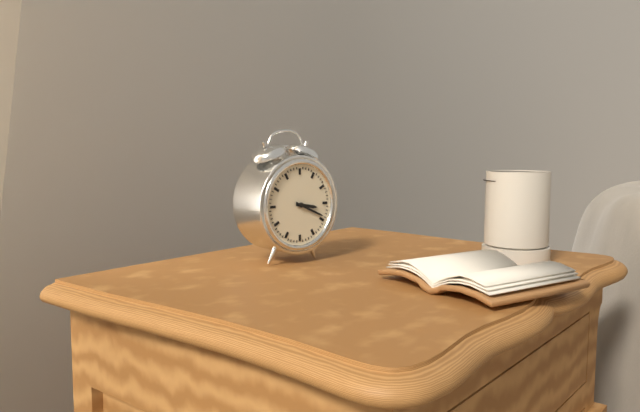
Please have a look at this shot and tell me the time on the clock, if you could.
3:19
